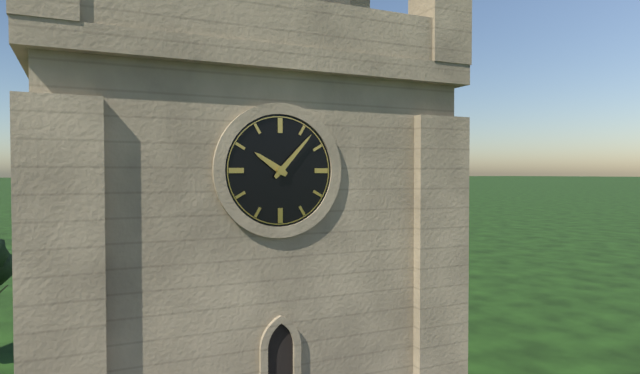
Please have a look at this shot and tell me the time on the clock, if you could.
10:07
